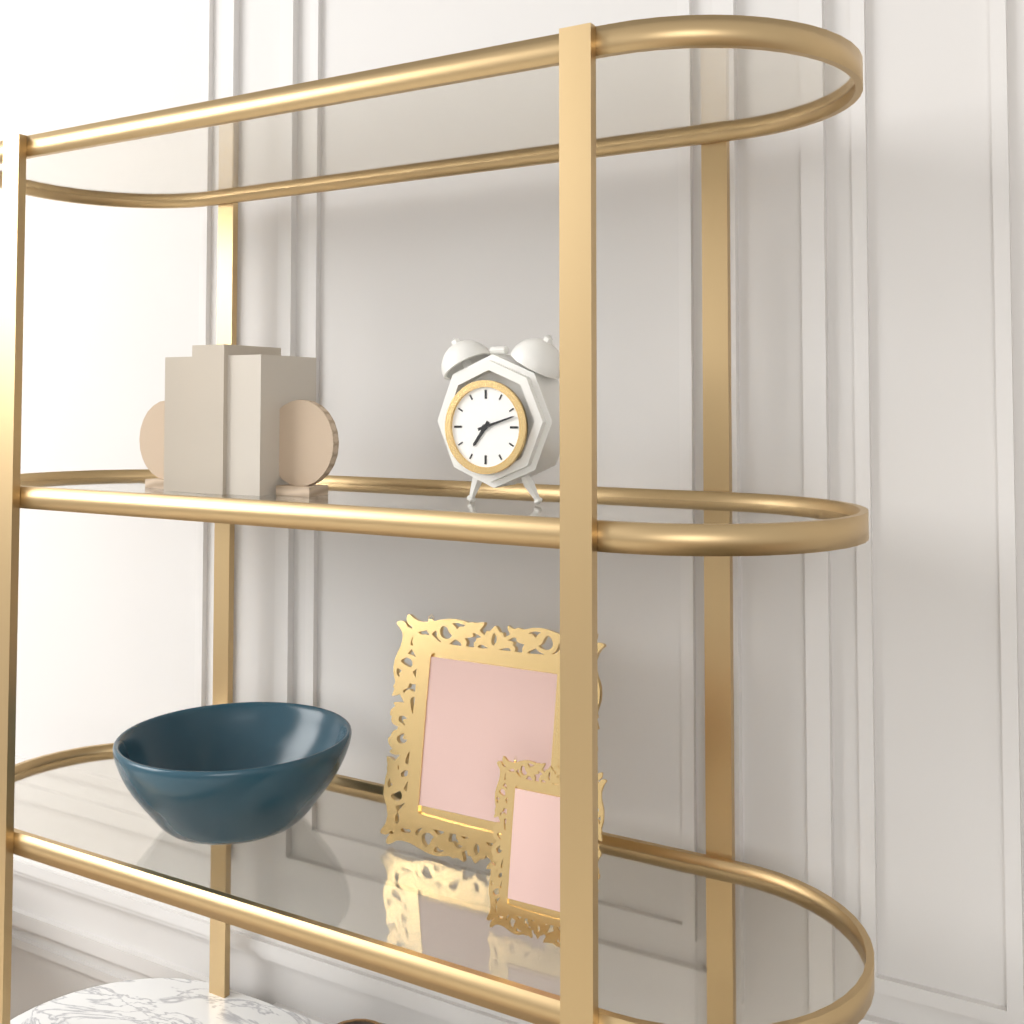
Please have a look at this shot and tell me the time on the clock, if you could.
7:12
